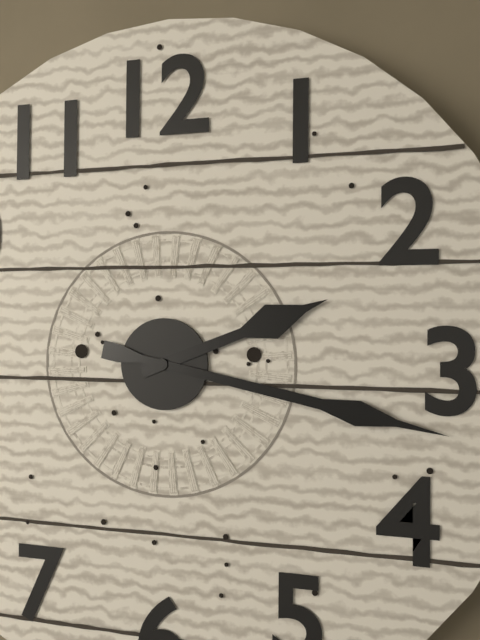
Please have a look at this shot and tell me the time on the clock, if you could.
2:17
